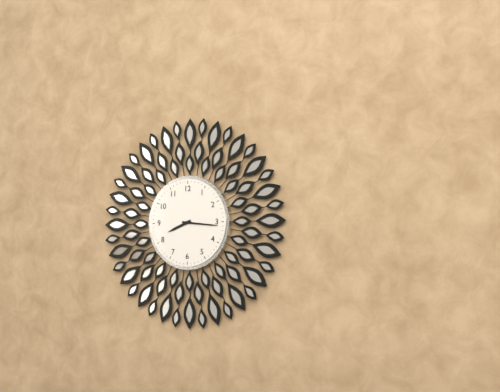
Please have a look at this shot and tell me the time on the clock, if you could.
8:16
